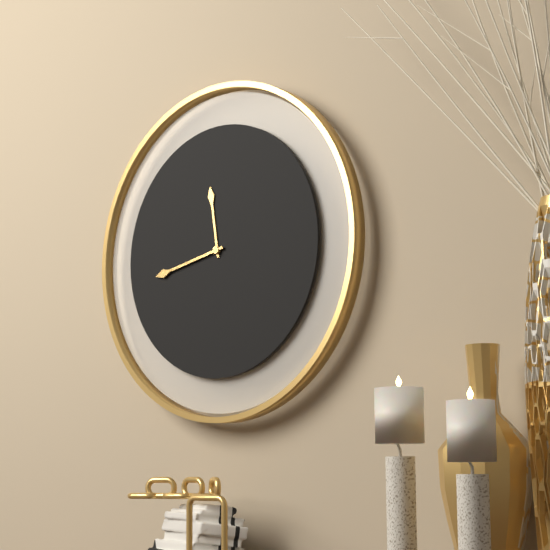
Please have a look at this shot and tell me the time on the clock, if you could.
11:43
